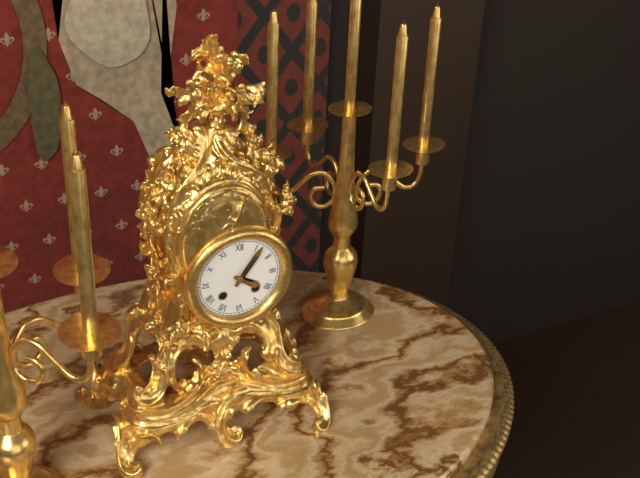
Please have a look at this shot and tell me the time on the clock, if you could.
4:06
